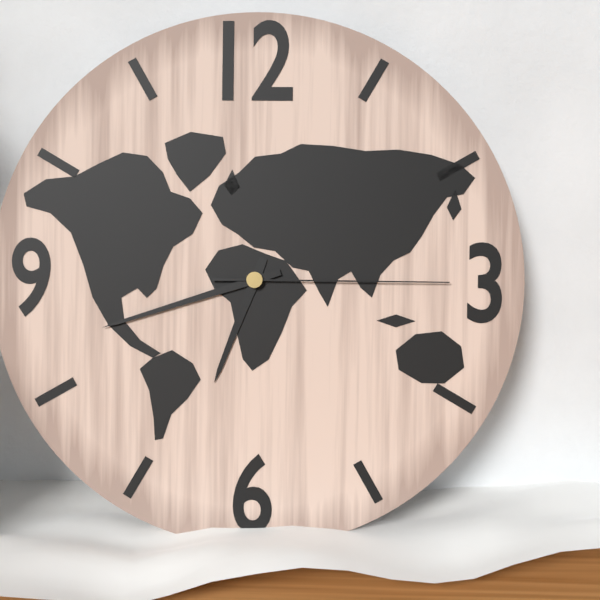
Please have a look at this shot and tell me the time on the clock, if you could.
6:42:15
